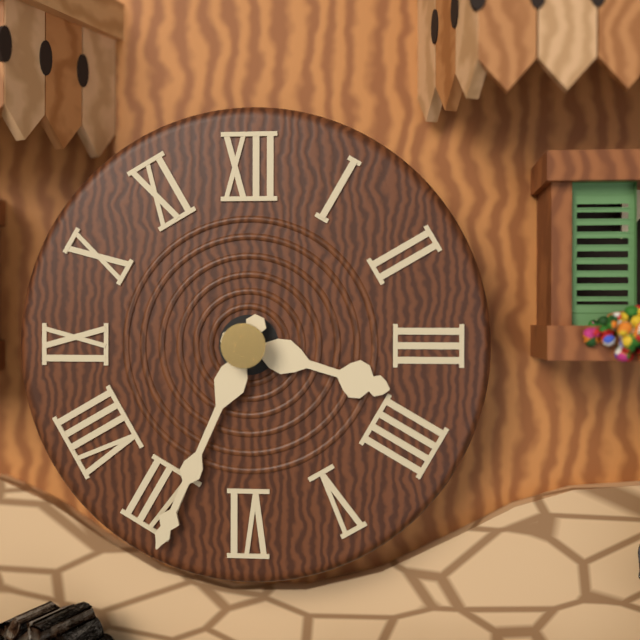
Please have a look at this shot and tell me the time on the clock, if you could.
3:34
